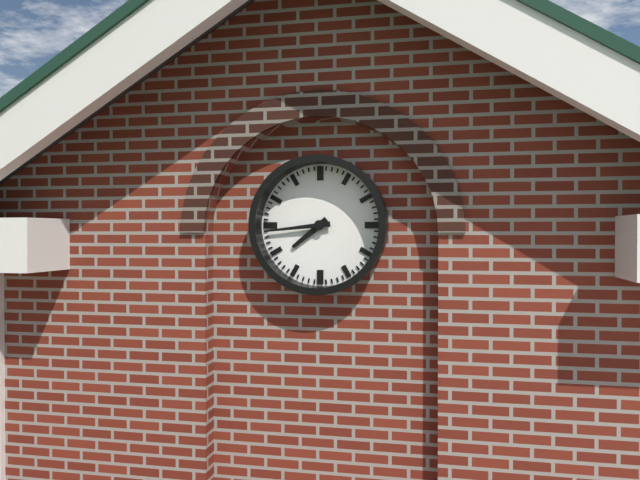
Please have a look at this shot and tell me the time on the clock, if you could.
7:44
